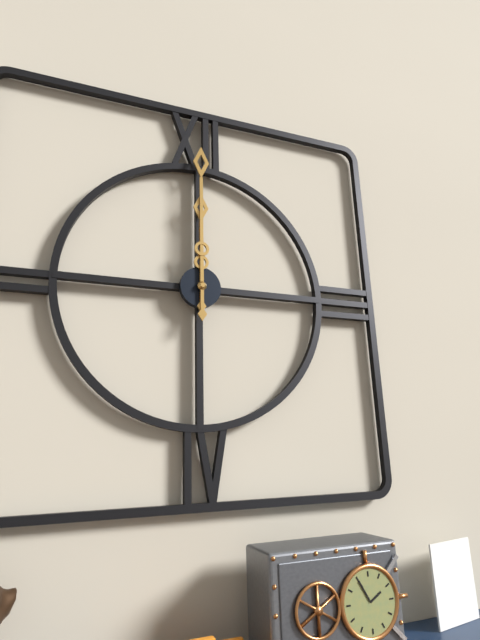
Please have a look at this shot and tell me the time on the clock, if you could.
12:00
